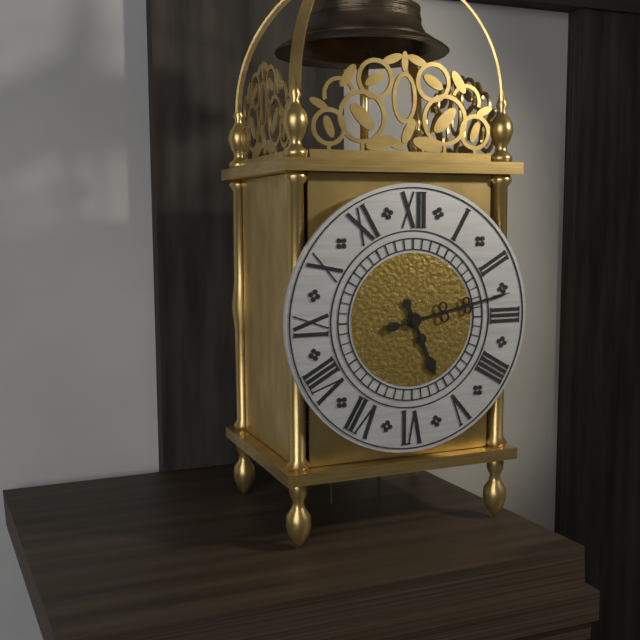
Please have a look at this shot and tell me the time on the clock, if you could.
5:13
